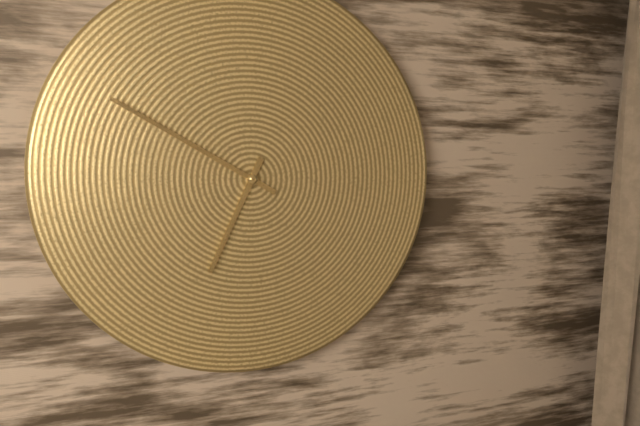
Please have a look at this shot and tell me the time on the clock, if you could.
6:50
